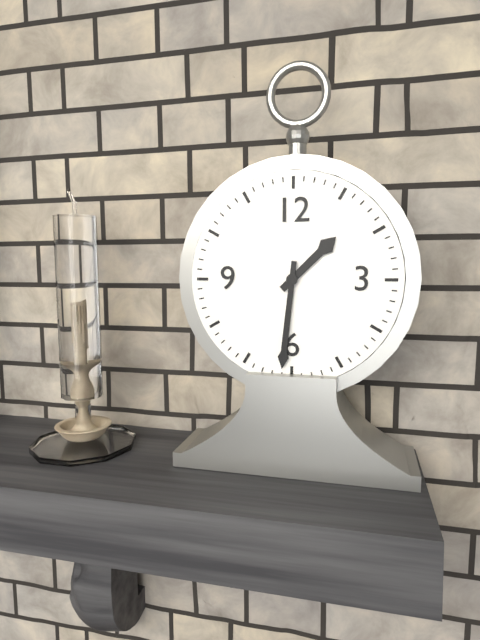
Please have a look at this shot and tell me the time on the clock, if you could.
1:31
